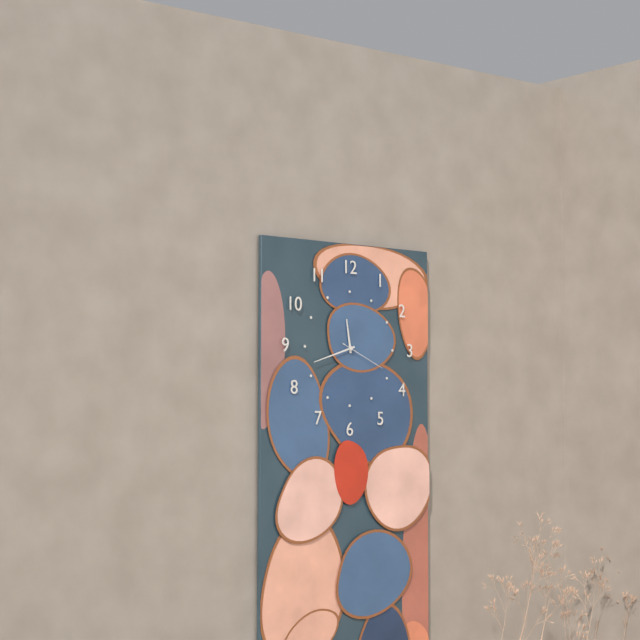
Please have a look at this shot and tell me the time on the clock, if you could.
11:42
